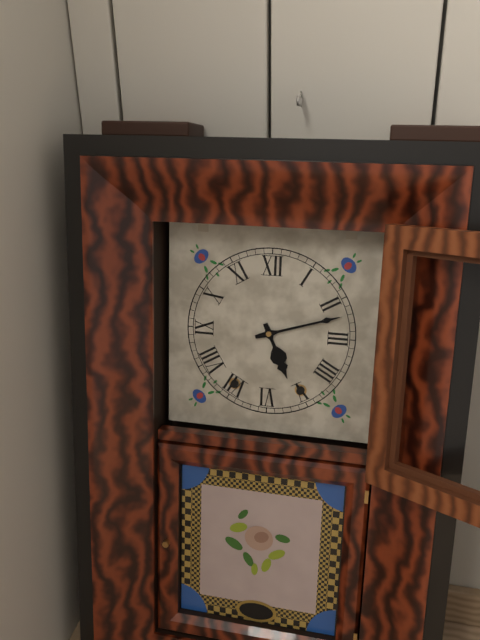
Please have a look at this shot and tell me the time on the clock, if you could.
5:12
